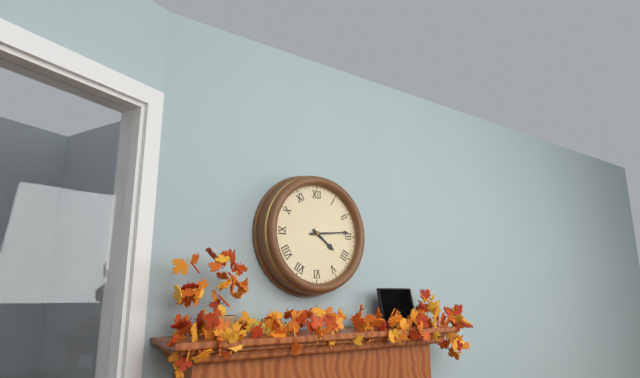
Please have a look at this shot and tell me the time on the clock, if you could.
4:14
